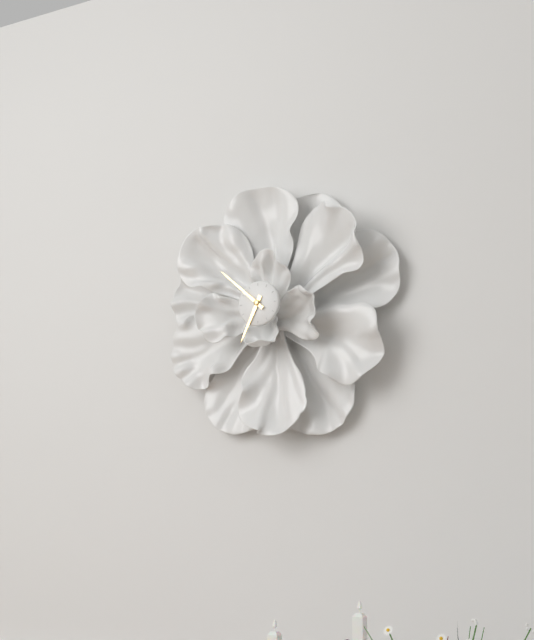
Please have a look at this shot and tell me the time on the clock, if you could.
6:52
